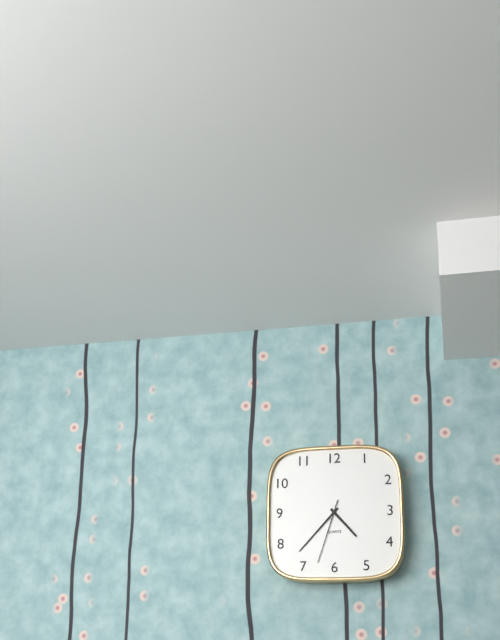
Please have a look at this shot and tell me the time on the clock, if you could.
4:37:33
